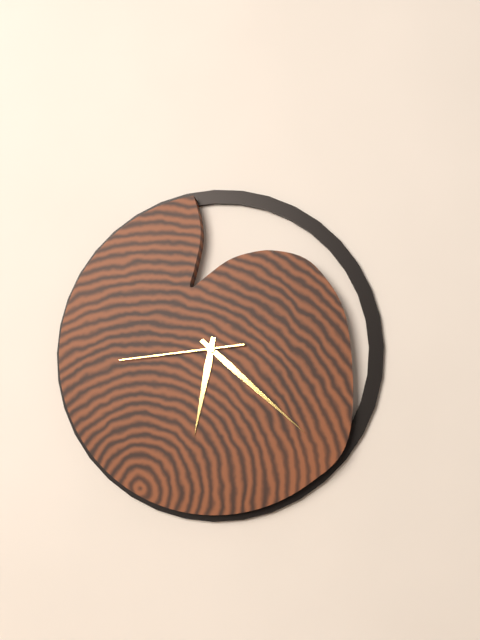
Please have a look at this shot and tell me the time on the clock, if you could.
6:22:44
